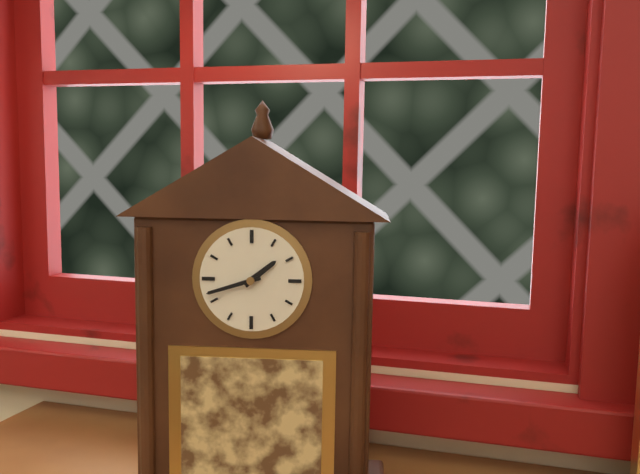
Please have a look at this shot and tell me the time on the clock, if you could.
1:42
